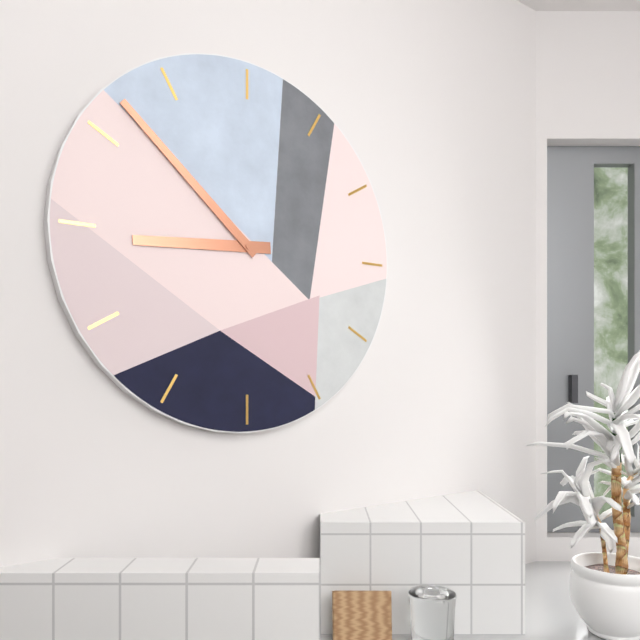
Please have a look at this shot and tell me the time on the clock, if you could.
8:52
